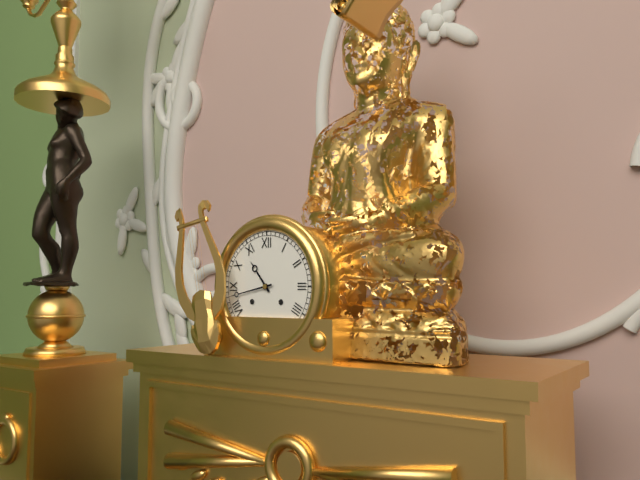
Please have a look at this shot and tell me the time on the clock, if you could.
10:43
